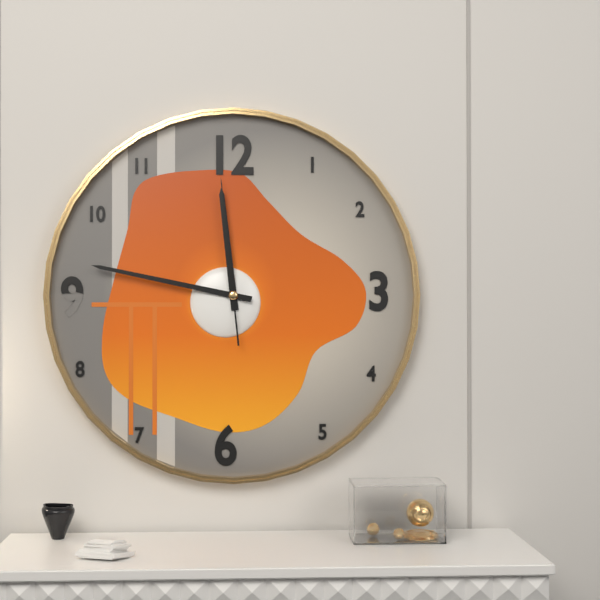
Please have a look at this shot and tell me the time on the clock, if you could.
11:47:59
